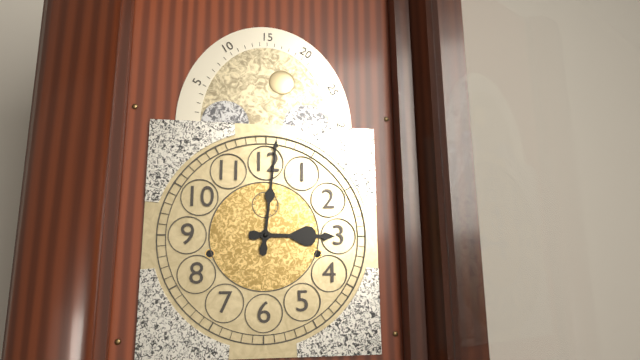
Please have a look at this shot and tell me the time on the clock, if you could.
3:01
